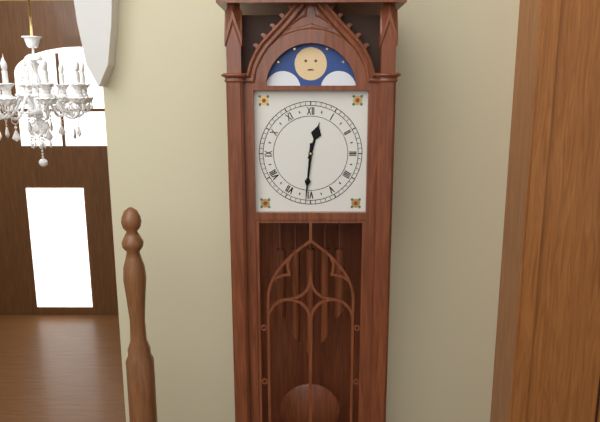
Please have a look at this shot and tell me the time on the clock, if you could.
12:31
